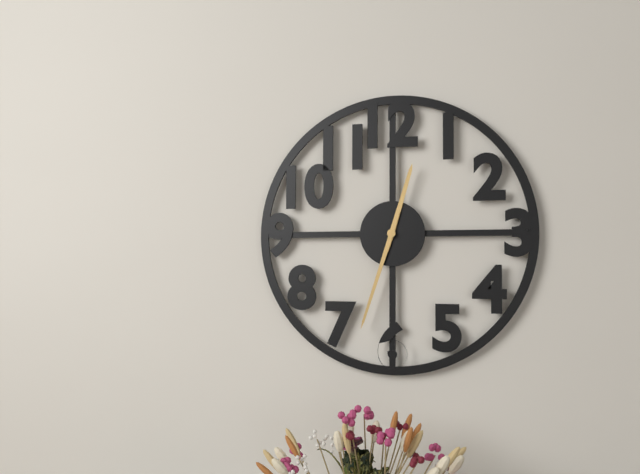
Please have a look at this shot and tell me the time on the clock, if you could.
12:33
